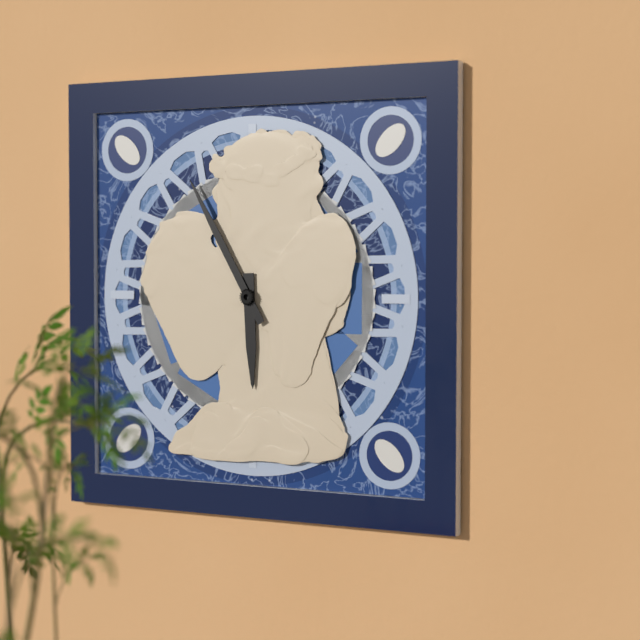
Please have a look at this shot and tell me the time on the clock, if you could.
5:55
